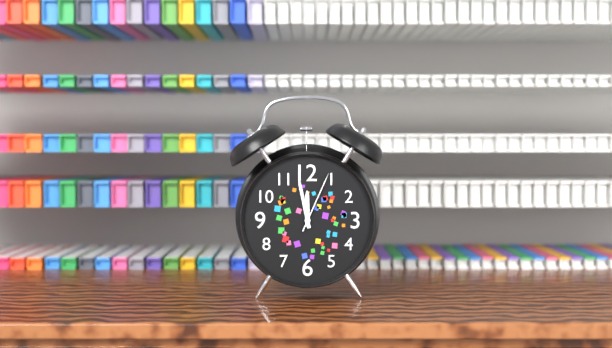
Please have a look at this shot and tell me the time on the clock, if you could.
11:58:04
